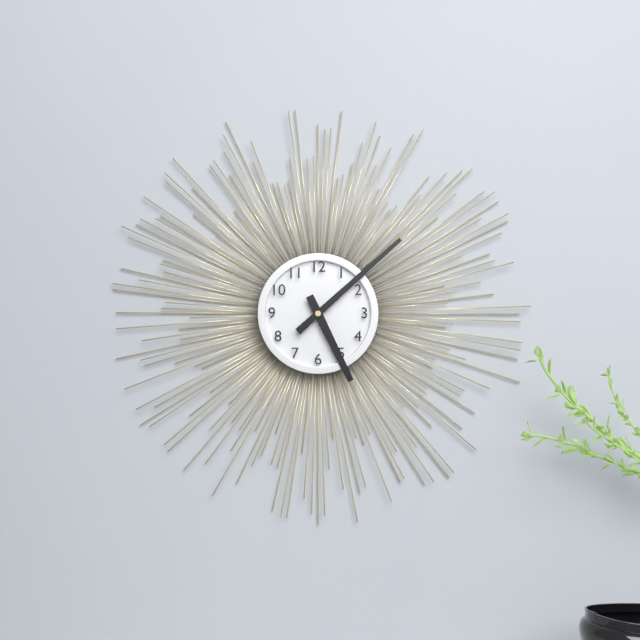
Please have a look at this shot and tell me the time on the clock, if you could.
5:08
